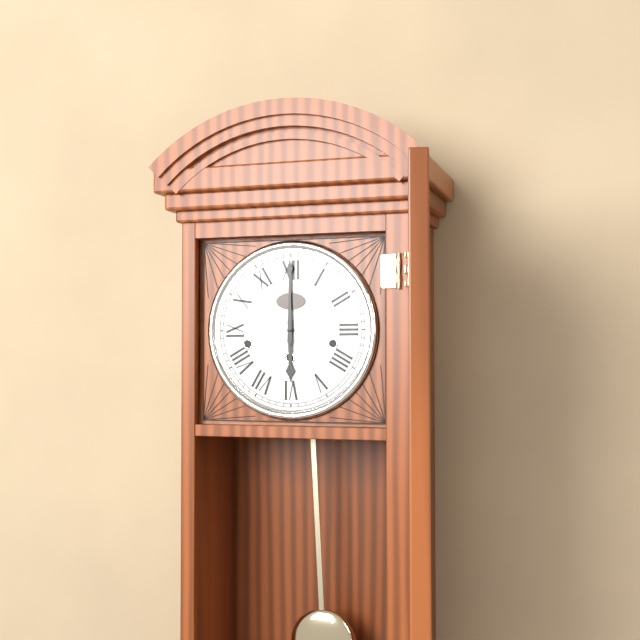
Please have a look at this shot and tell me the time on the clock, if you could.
6:00
